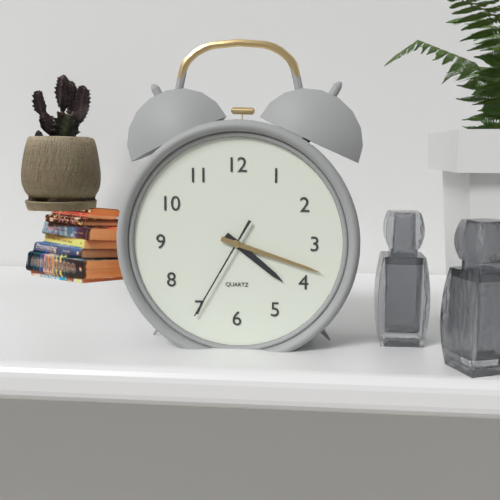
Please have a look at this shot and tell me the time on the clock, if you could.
4:18:35
